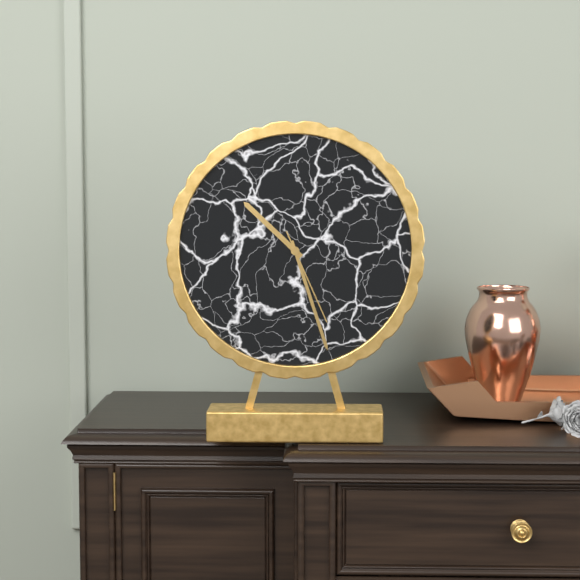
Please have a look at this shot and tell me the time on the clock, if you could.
10:27:26
